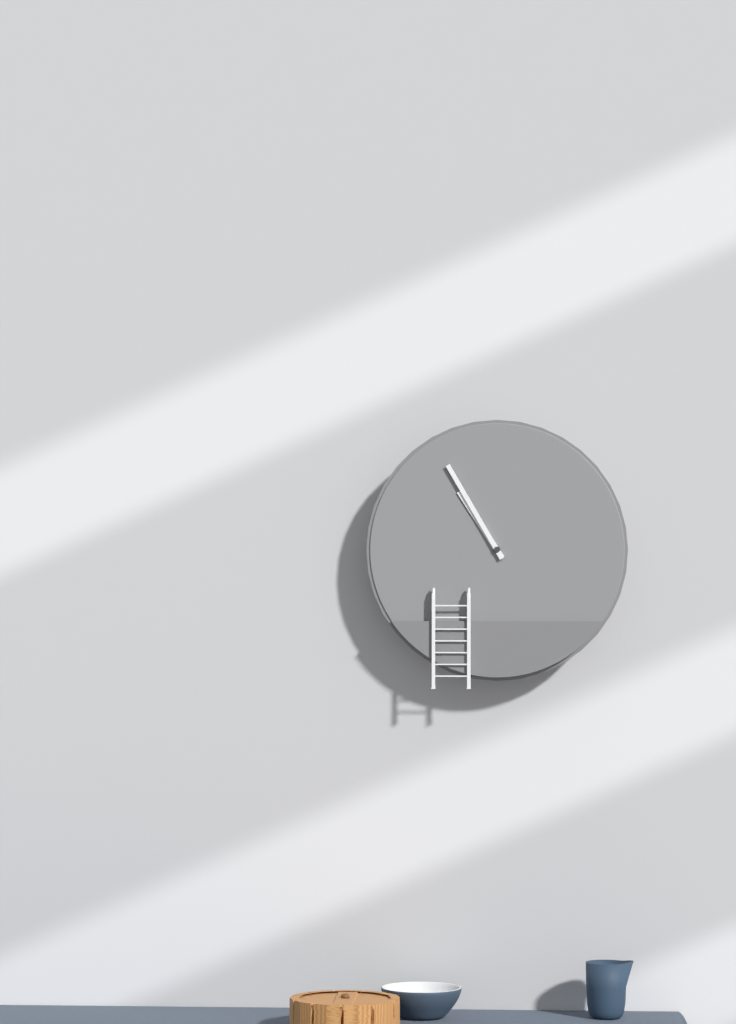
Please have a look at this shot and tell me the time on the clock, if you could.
10:55
